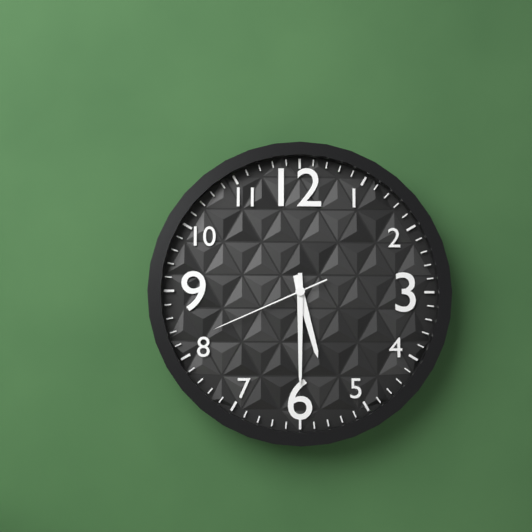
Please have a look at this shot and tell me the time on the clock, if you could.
5:30:41
